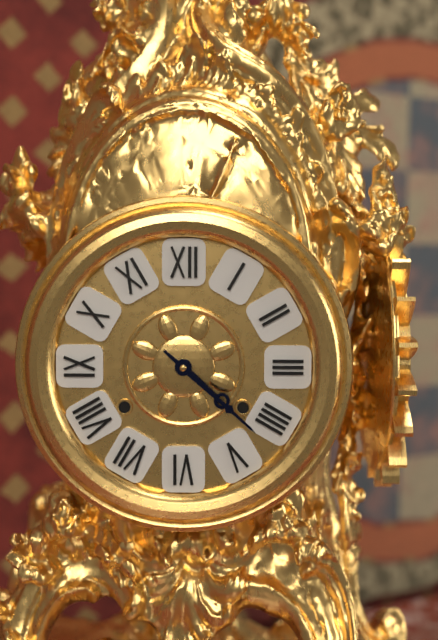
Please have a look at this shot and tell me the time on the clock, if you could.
4:22
